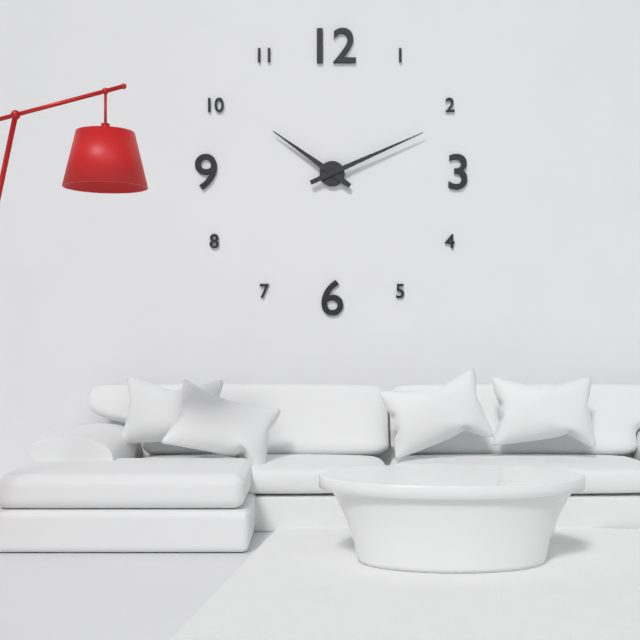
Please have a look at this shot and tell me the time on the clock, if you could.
10:11
